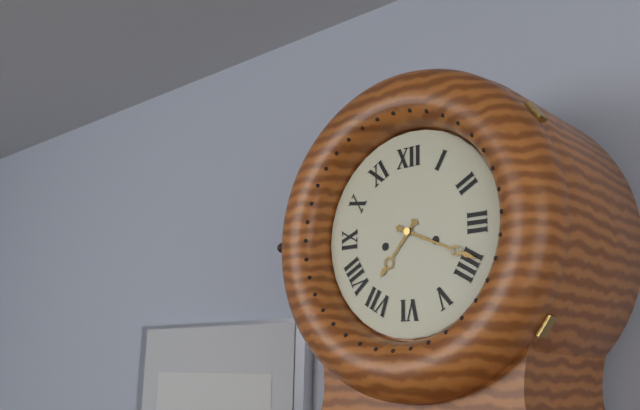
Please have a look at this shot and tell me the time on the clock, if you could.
7:19
